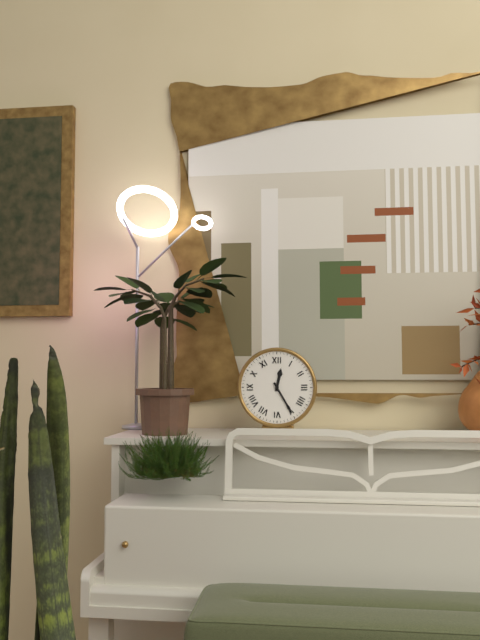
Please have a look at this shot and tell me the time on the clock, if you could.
12:25
